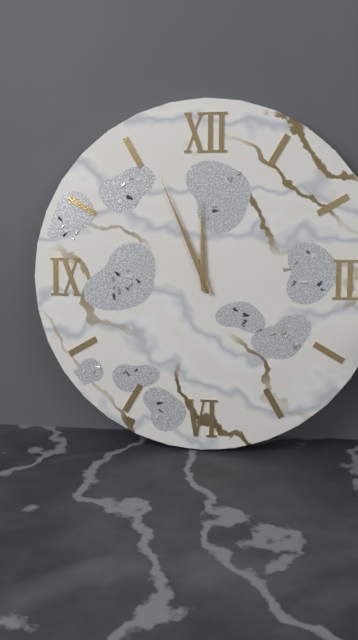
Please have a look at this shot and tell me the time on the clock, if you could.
11:56
